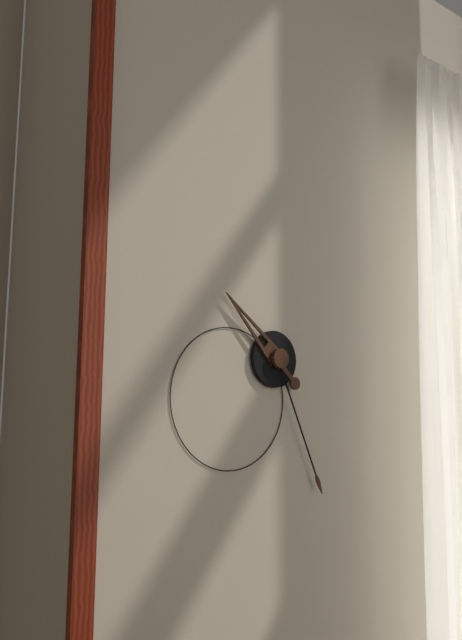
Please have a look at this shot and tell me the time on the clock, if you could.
10:26
